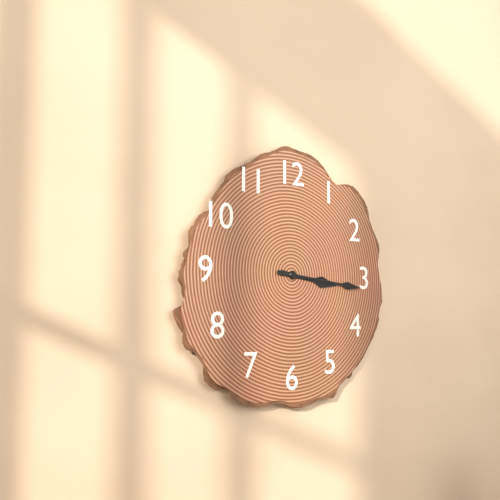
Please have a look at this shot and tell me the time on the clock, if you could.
3:16
